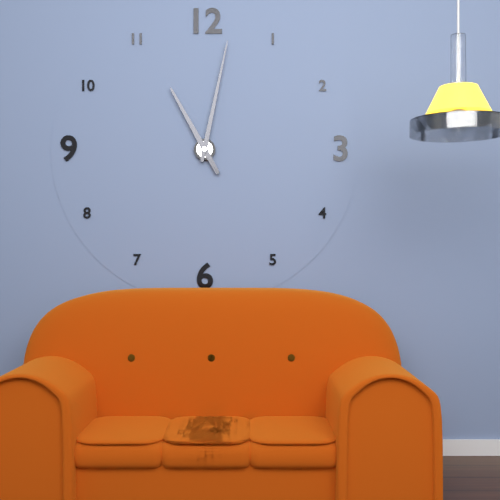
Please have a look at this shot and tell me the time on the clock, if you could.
11:02
